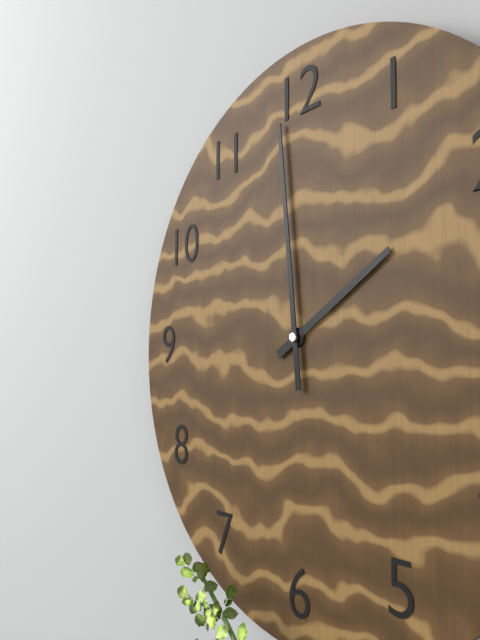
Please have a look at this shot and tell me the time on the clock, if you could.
1:59
